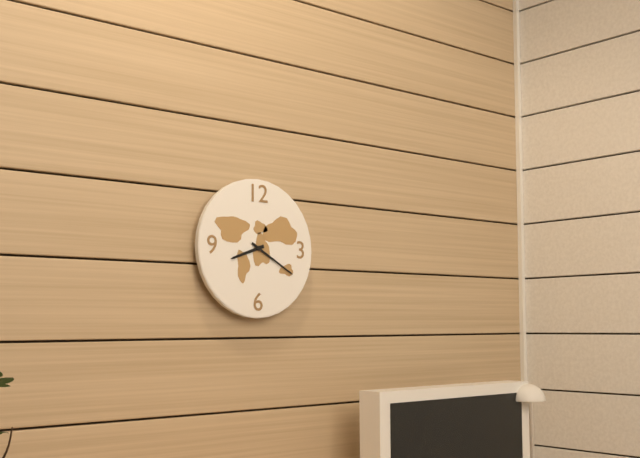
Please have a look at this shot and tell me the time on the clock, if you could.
8:20
